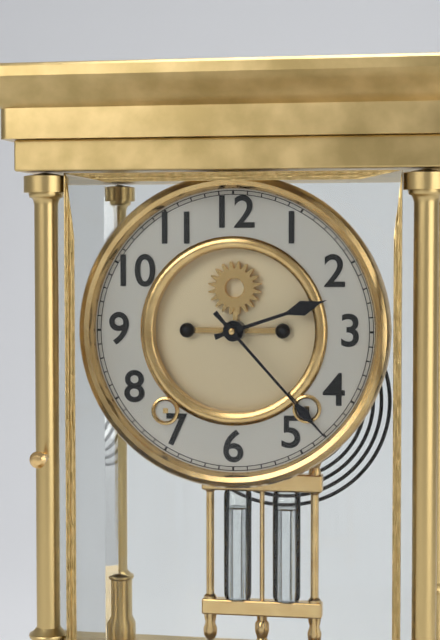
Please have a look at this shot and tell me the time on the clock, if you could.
2:23
